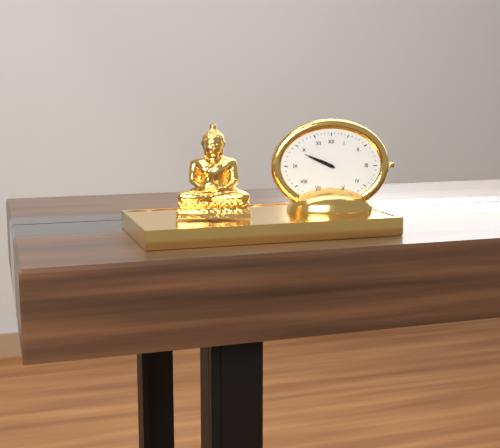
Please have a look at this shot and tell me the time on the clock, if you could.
9:49
